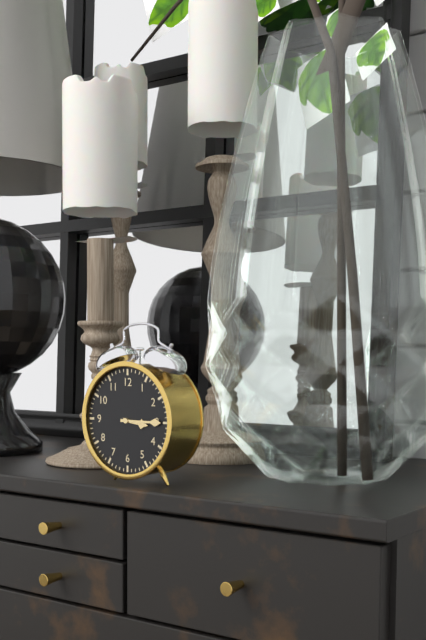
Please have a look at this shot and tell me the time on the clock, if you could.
3:15
